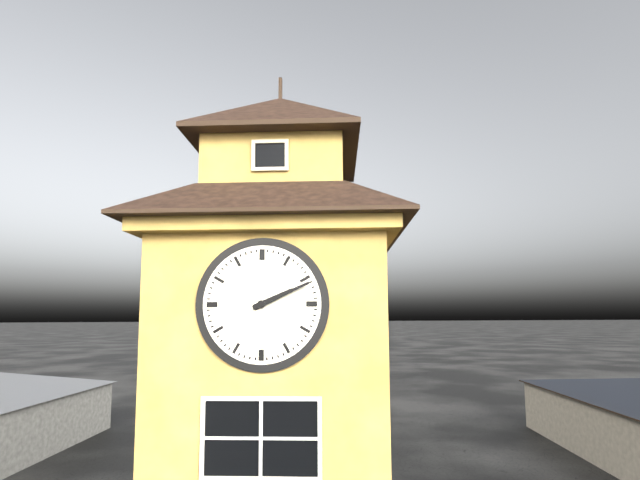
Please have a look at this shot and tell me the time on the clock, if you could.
2:11
